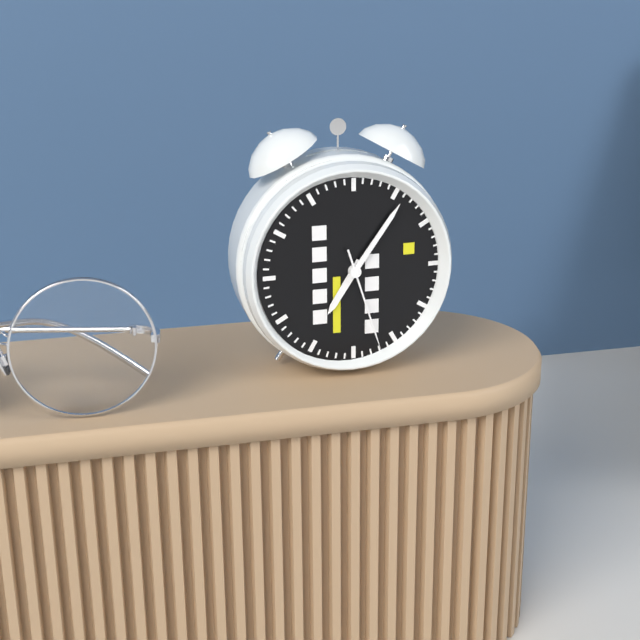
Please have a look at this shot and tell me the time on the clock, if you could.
7:06:27
